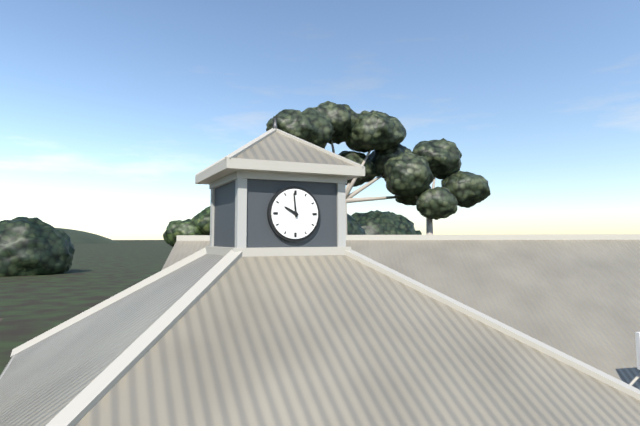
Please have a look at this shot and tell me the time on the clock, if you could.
9:59
